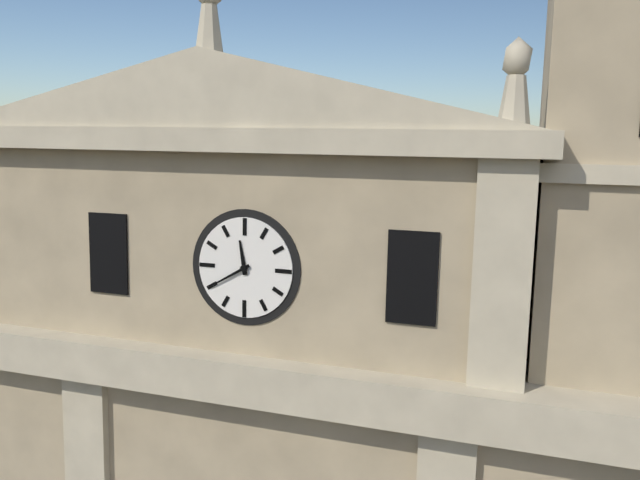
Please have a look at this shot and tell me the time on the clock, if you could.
11:40
